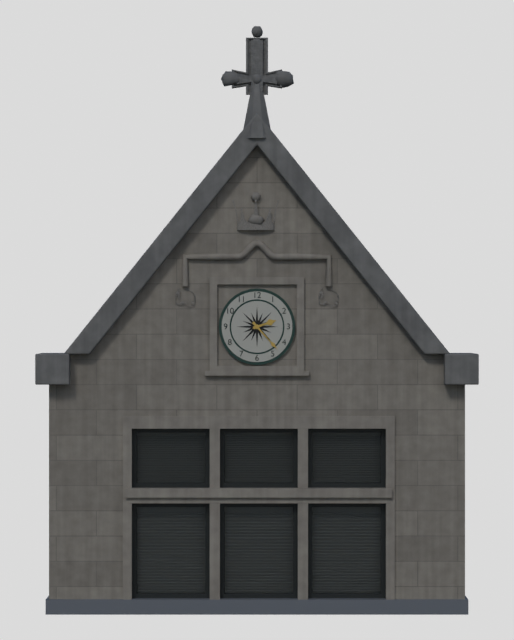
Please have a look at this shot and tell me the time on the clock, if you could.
2:23
